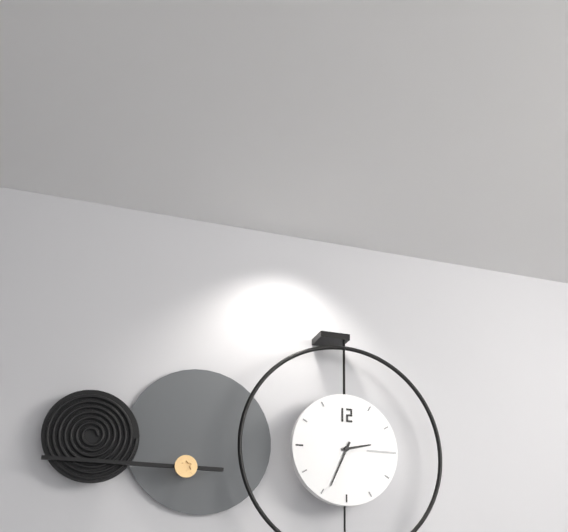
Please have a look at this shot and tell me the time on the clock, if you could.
2:34
